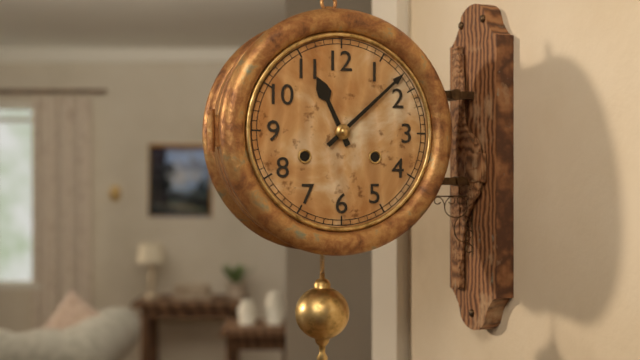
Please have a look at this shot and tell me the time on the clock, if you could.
11:08
